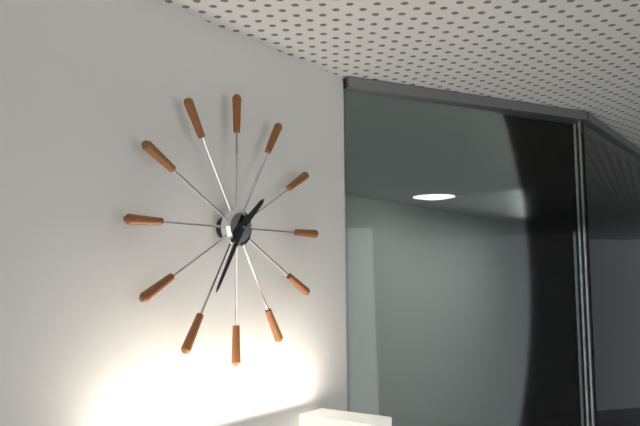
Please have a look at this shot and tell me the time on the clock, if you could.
1:35
